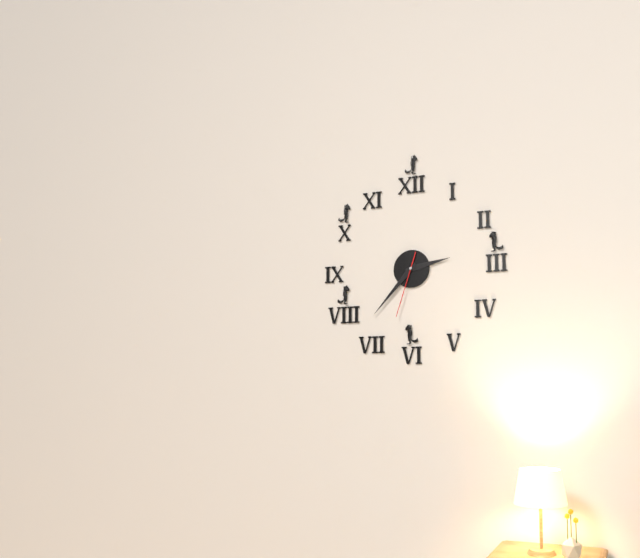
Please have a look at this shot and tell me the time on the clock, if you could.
2:37:33
